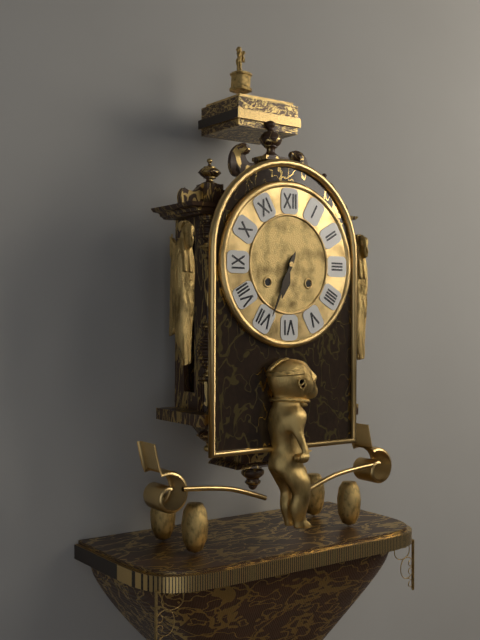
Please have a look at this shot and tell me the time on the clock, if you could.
6:34
